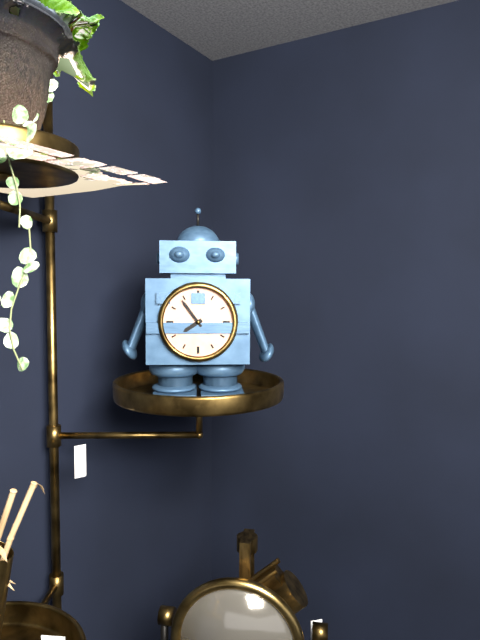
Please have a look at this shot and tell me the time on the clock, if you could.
7:54
